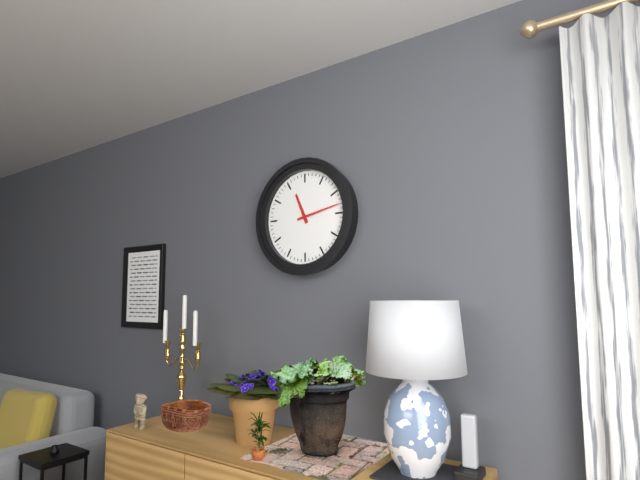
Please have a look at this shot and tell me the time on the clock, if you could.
11:13
